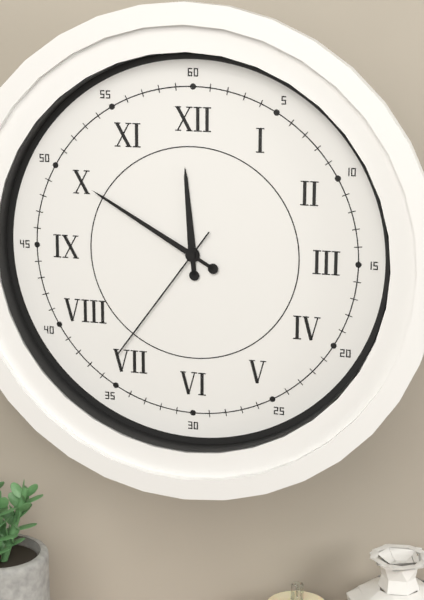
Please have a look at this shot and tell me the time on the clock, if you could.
11:50:36
